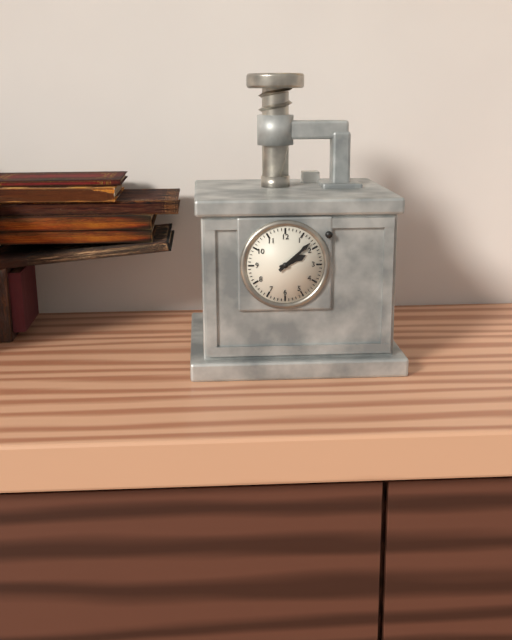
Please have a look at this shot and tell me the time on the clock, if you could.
2:08
